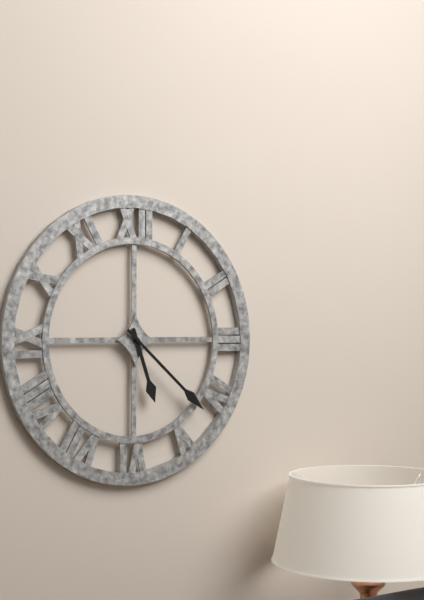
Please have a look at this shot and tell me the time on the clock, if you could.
5:22
